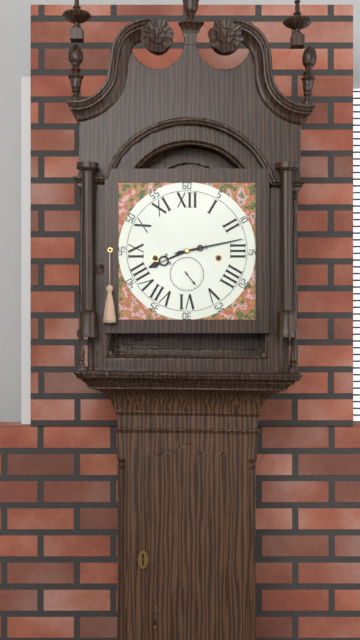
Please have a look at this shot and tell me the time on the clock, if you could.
8:13
